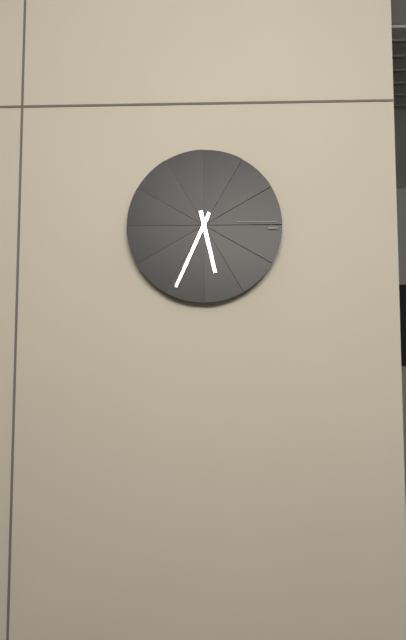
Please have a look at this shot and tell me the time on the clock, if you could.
5:34
